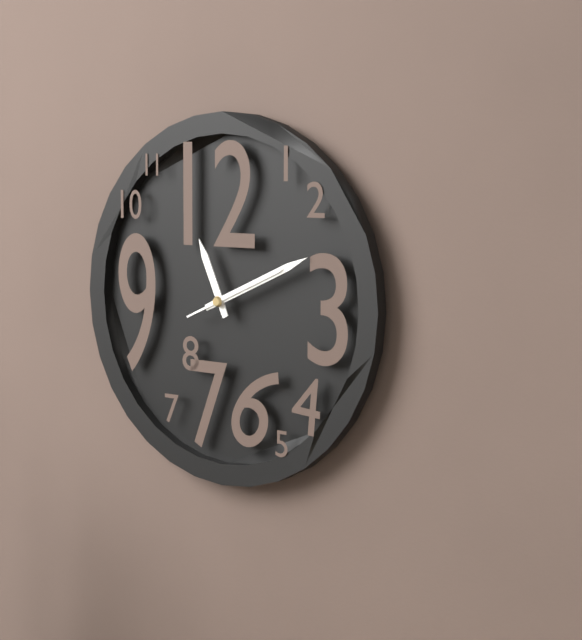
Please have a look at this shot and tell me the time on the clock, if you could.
11:11:11
